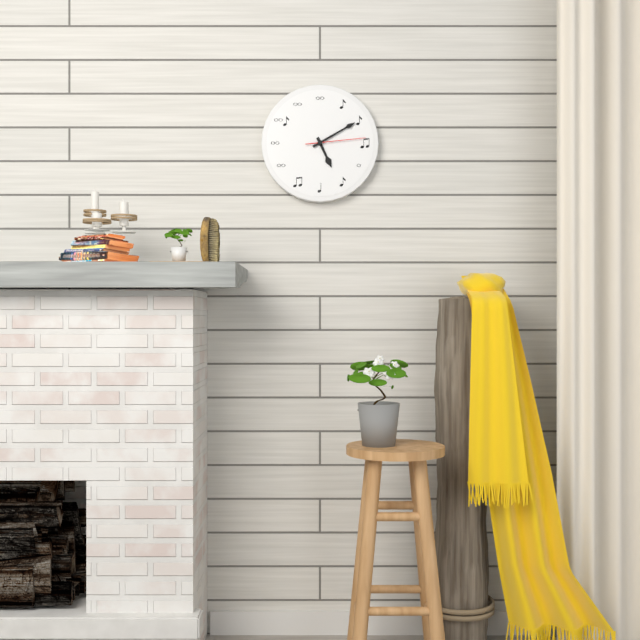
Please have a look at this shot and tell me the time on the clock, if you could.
5:10:14
